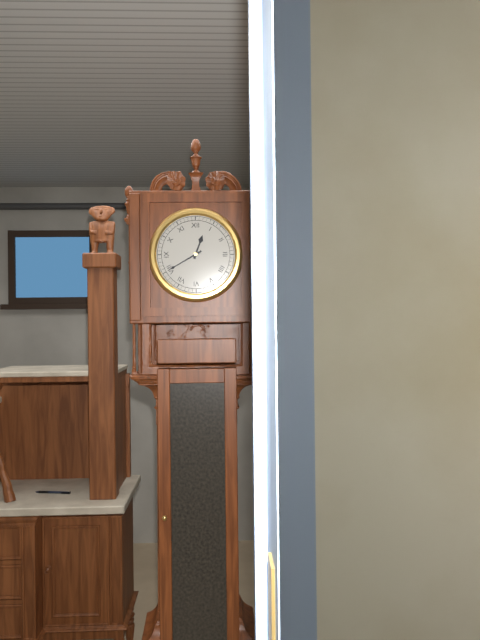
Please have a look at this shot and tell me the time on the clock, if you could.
12:40
